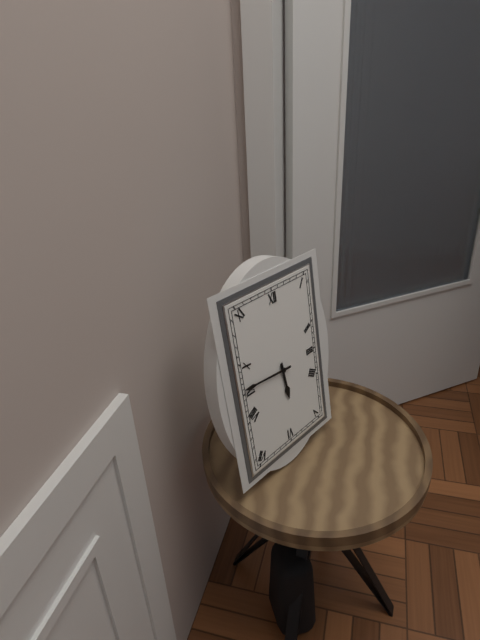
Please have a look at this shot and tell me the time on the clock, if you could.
5:46
